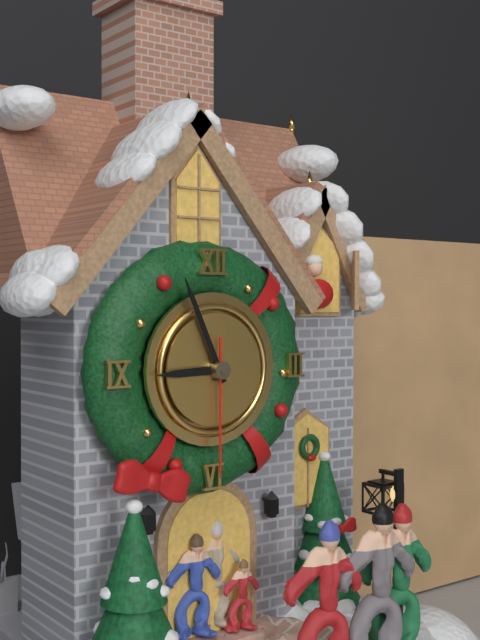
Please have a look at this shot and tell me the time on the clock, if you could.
8:56:30
